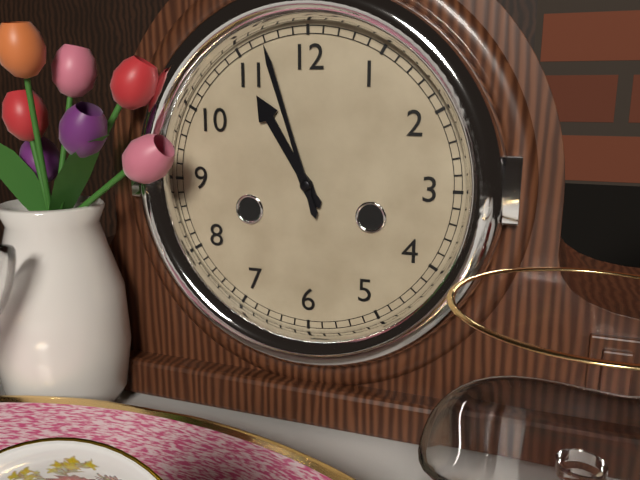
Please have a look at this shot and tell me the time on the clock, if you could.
10:57
